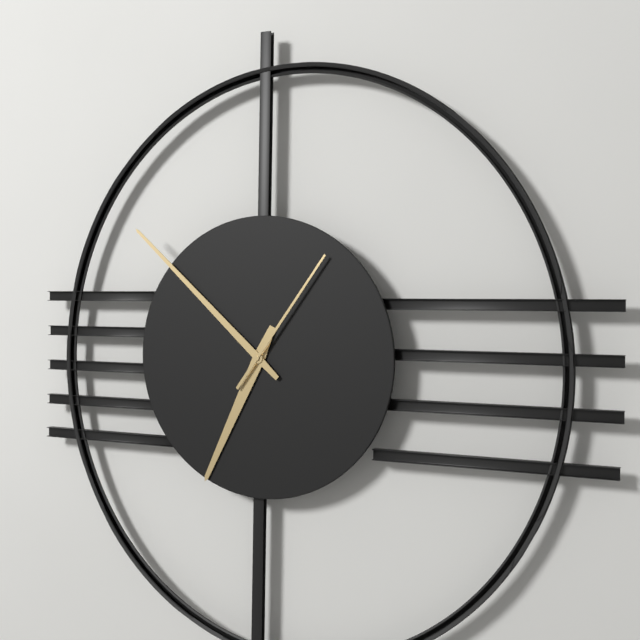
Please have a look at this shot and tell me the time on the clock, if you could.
6:52:06
